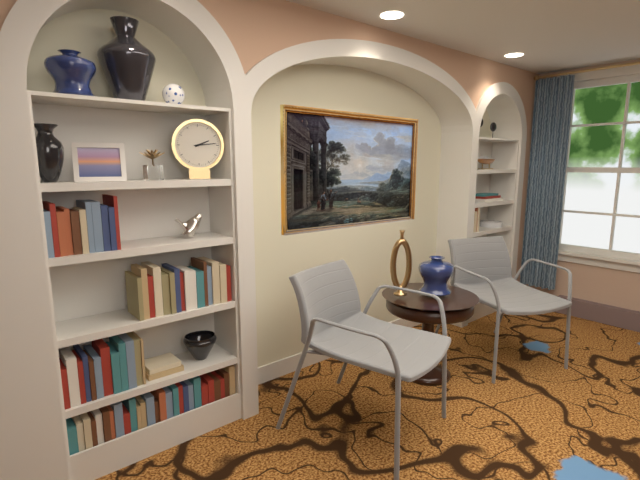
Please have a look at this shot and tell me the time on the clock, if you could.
2:14
